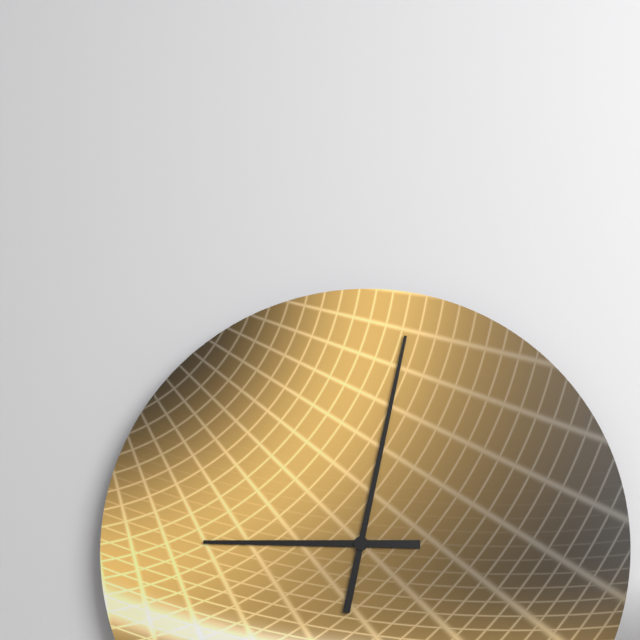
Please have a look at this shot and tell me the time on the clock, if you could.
9:02
